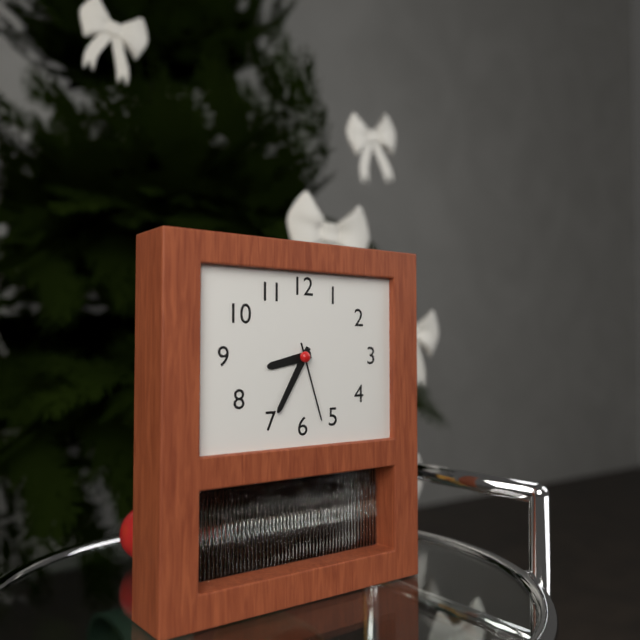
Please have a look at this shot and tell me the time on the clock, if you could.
8:35:27
